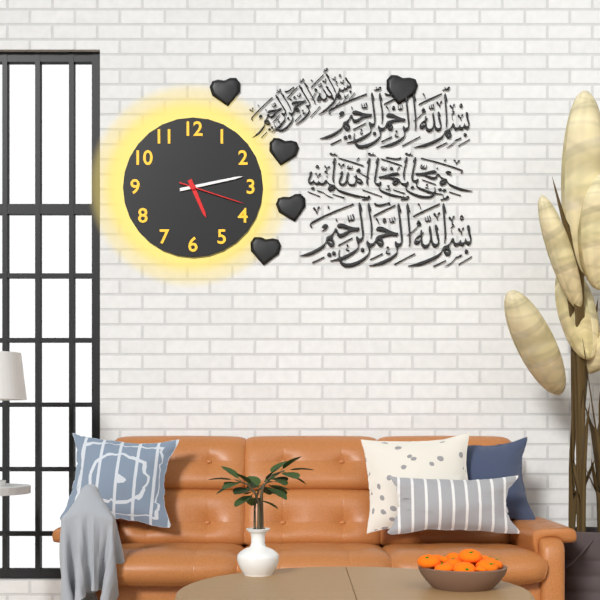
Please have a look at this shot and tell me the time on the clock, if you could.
5:13:18
